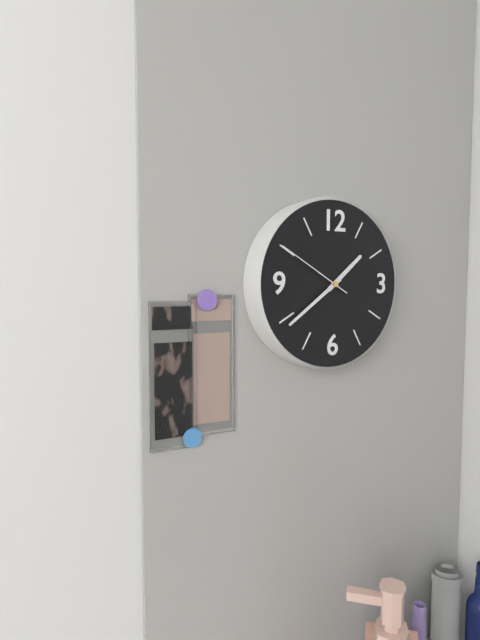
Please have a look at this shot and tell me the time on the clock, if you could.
1:39:50
